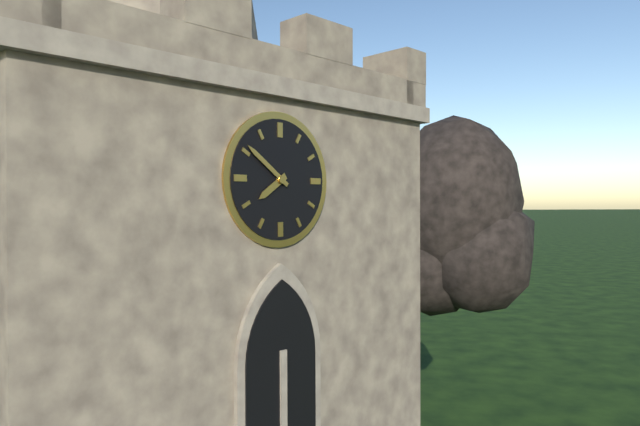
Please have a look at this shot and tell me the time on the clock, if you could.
7:51
